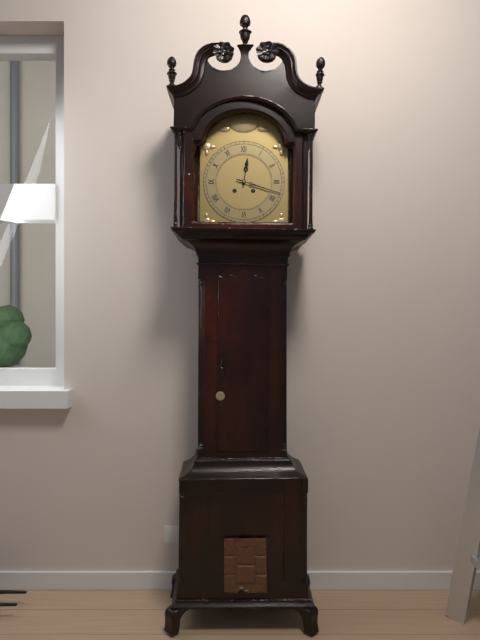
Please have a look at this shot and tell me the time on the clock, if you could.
12:18
